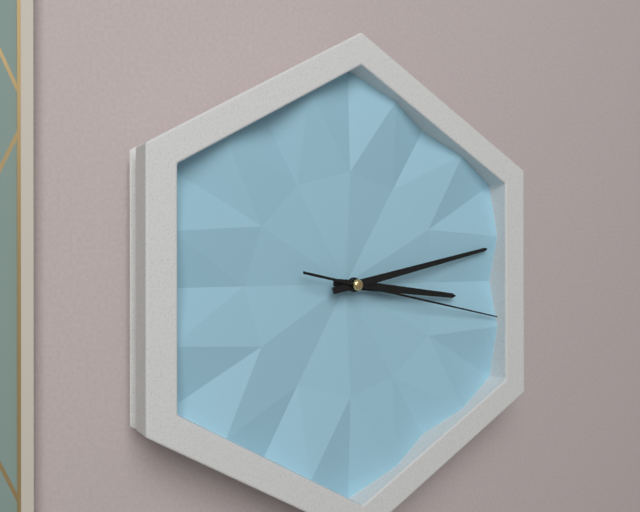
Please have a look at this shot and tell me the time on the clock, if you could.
3:13:17
